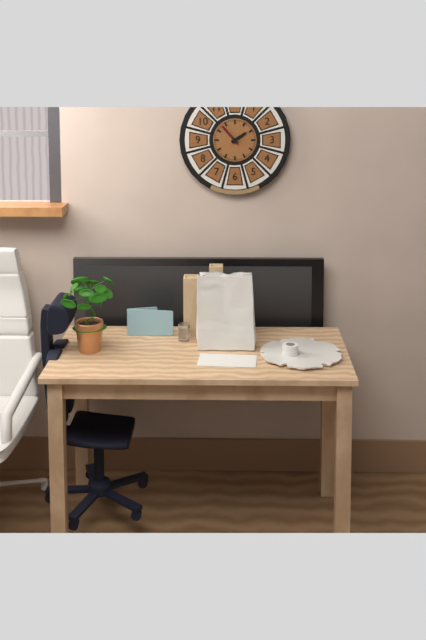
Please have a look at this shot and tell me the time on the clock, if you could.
1:53
